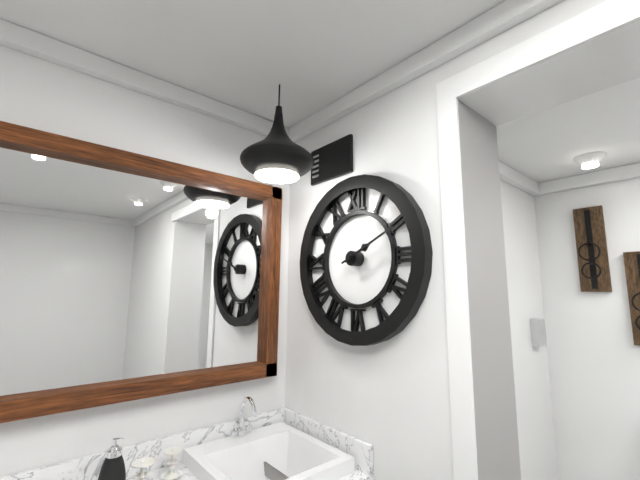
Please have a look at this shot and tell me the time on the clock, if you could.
2:11
